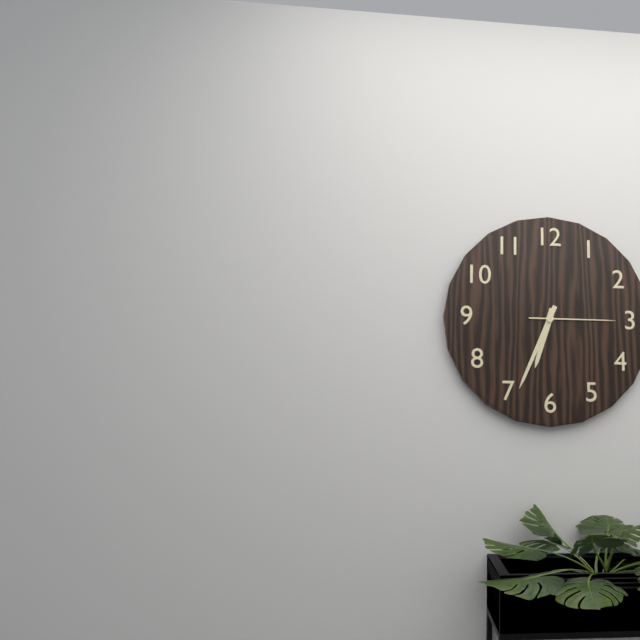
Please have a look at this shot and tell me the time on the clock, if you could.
6:34:15
